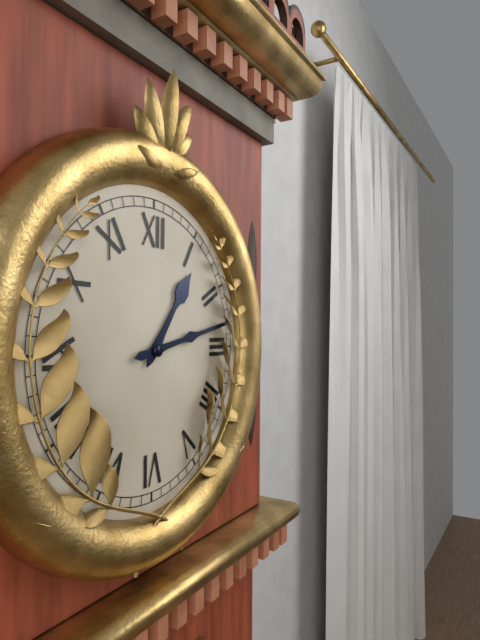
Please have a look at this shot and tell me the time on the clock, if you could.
1:13
